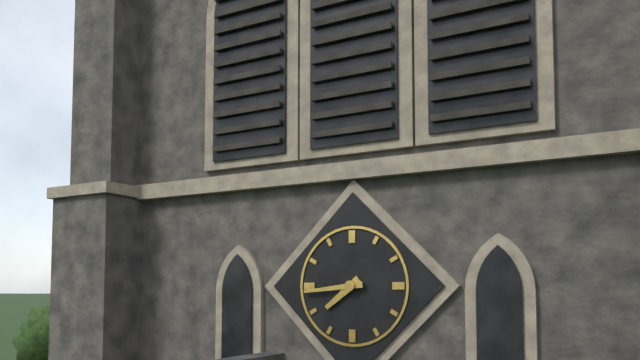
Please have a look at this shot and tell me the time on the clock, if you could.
7:44
